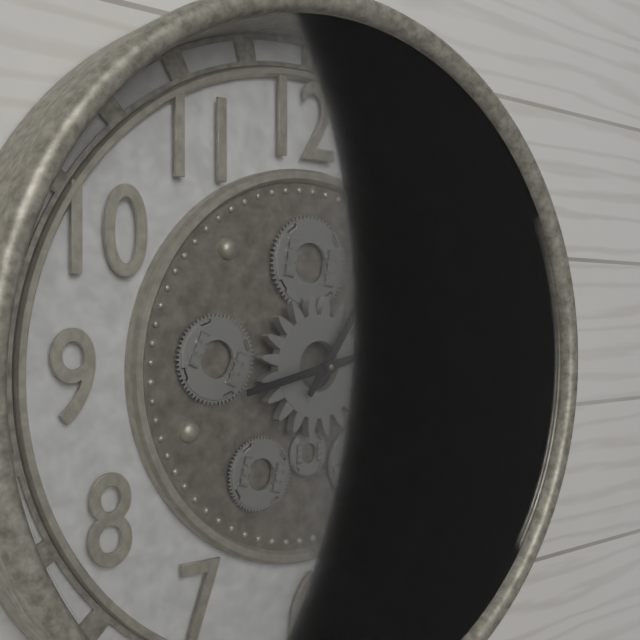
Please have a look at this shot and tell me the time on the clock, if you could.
1:13
